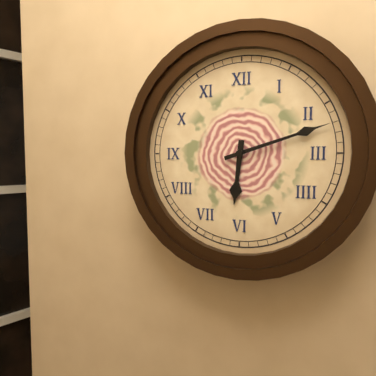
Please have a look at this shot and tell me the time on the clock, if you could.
6:12
